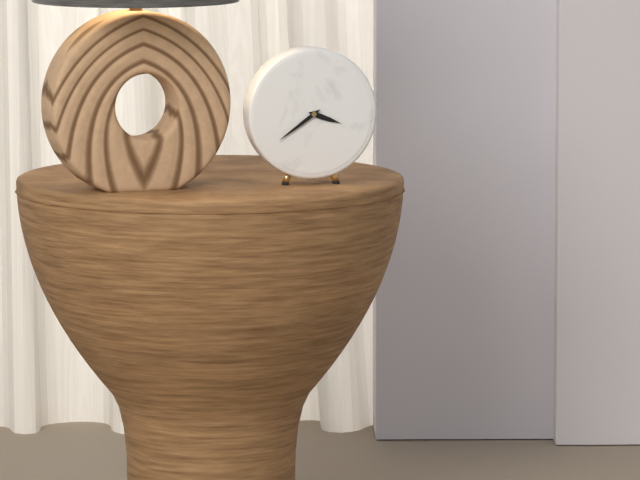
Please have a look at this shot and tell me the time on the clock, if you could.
3:39
